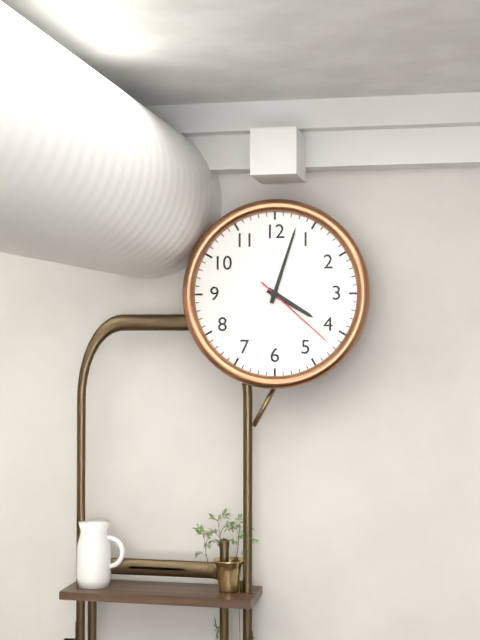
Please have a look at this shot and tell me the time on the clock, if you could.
4:03:22
